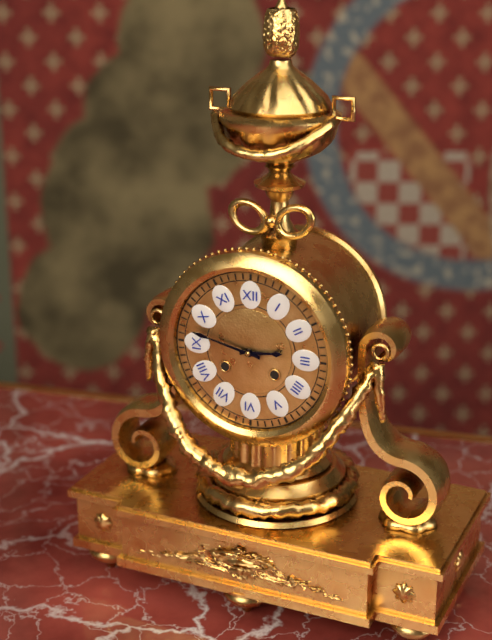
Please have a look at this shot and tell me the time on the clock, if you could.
2:47
